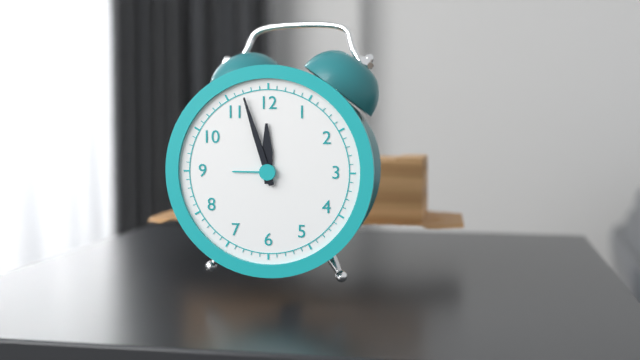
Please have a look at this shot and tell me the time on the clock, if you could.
11:57
